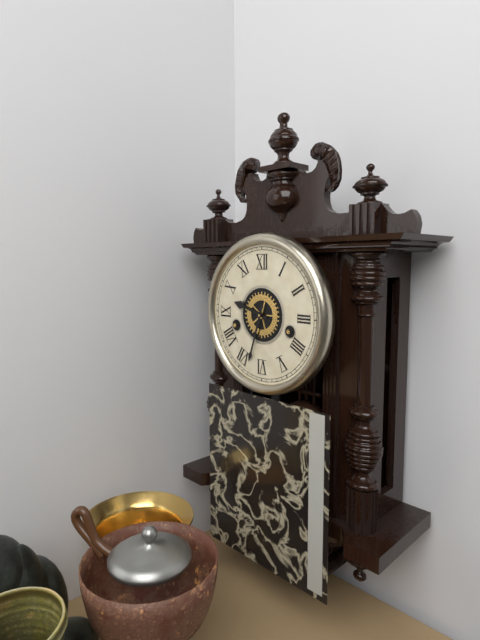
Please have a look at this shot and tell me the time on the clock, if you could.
9:33
